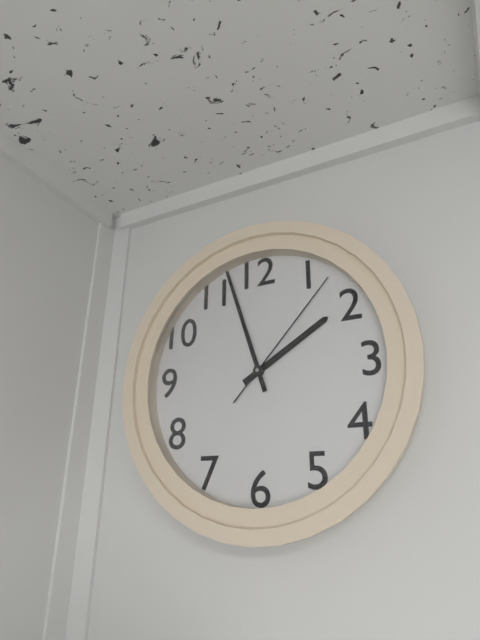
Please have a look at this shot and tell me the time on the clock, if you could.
1:57:07
